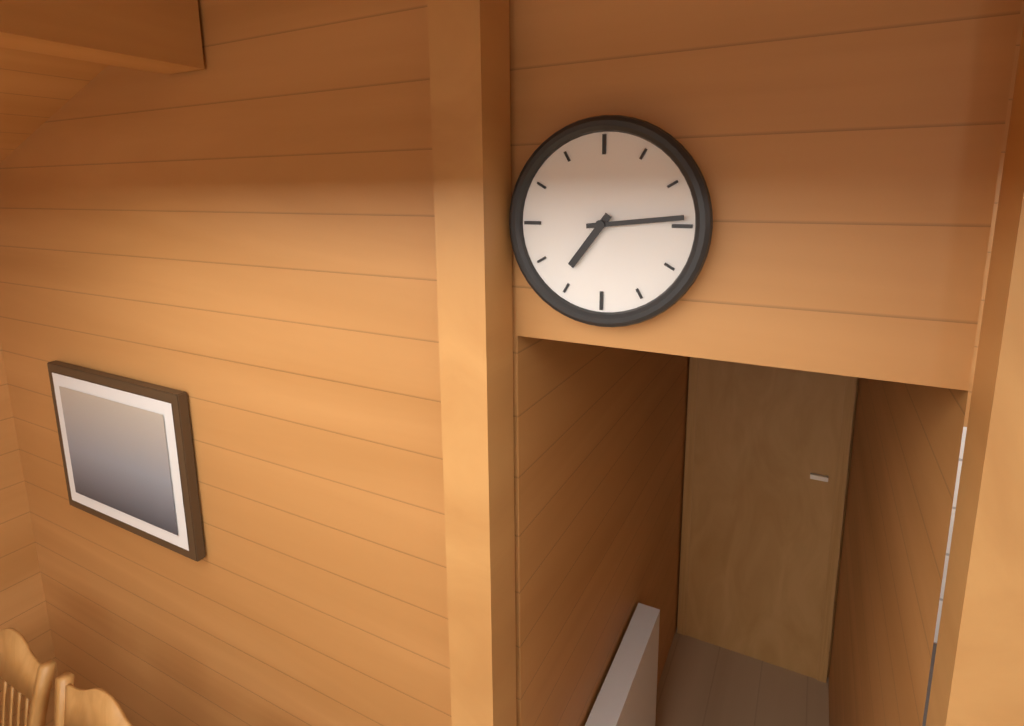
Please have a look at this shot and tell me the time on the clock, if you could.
7:14
